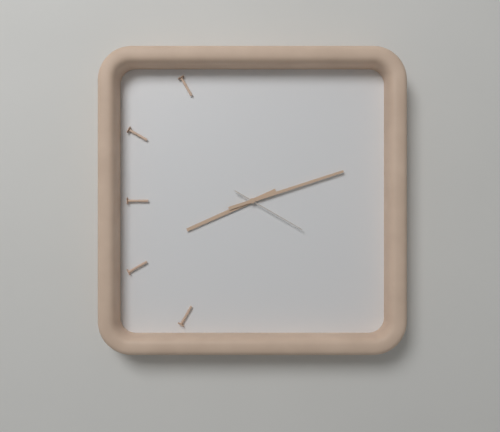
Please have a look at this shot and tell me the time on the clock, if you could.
8:12:20
